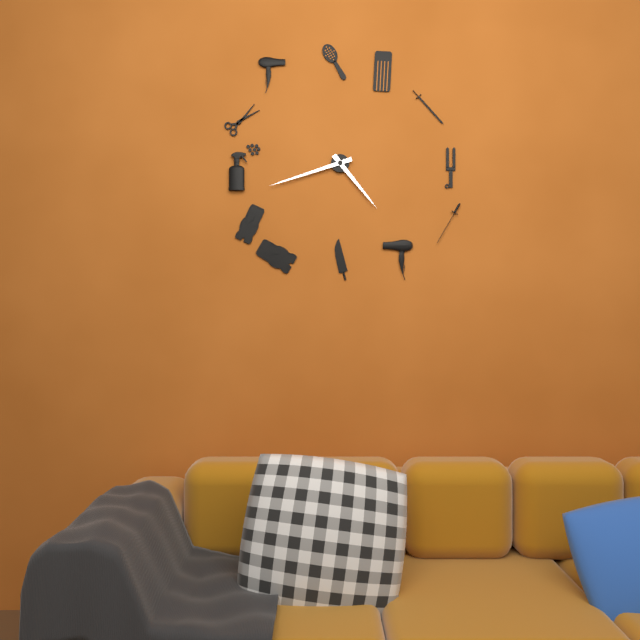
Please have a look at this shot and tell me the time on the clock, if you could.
4:42
